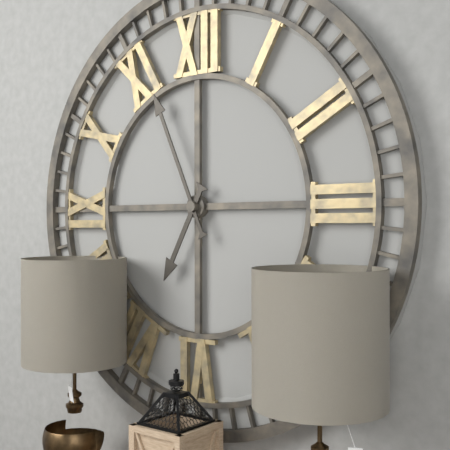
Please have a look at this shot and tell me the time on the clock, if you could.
6:56
